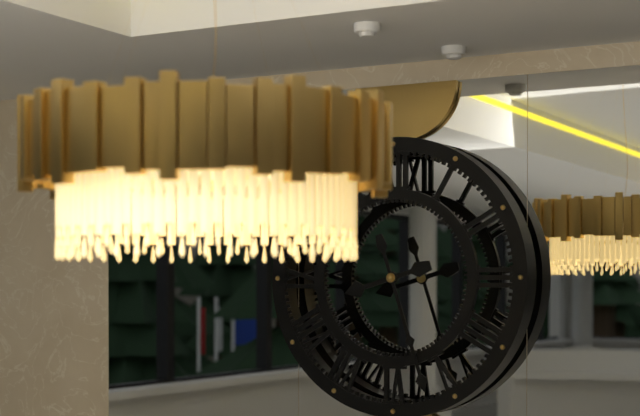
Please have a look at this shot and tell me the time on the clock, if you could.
8:27
